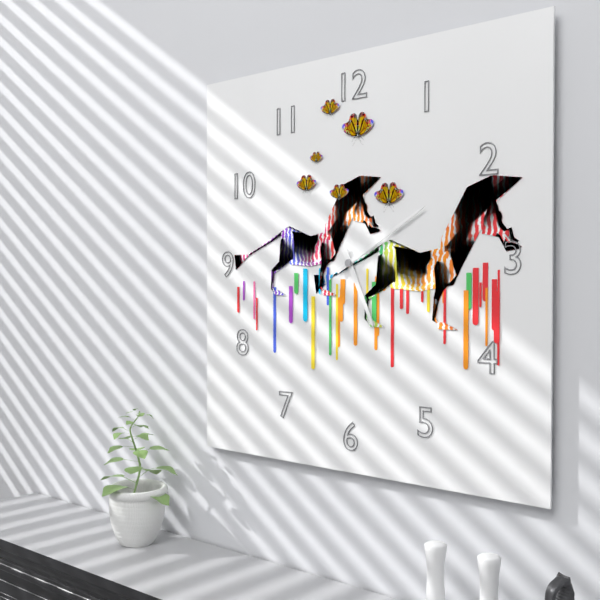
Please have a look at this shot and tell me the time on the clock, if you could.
5:10
